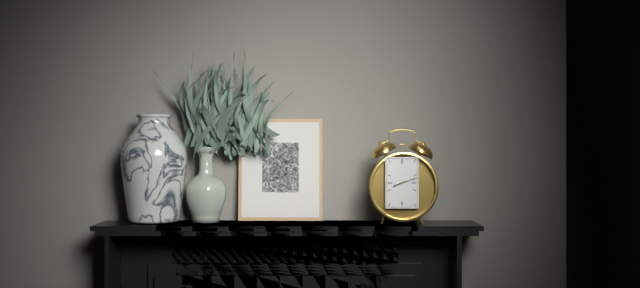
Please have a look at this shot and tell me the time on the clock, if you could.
8:12
